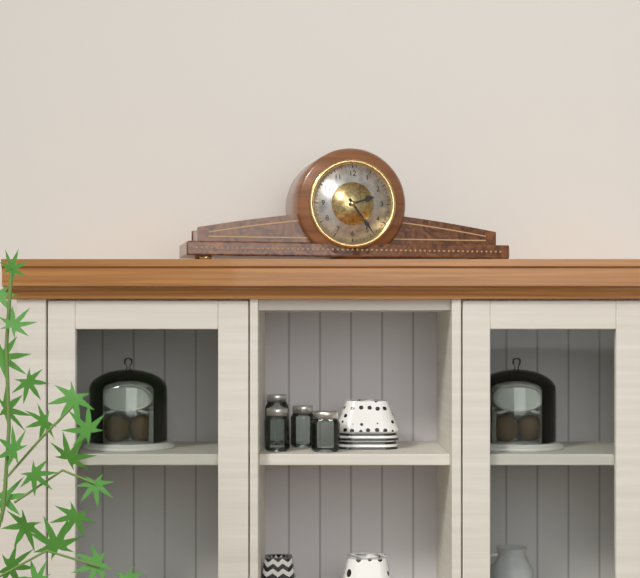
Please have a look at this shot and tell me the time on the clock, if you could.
2:24
